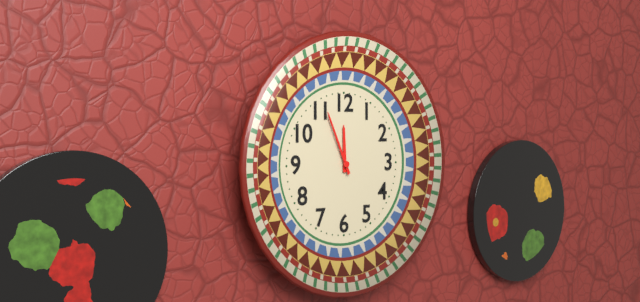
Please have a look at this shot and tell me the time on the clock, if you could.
11:56
